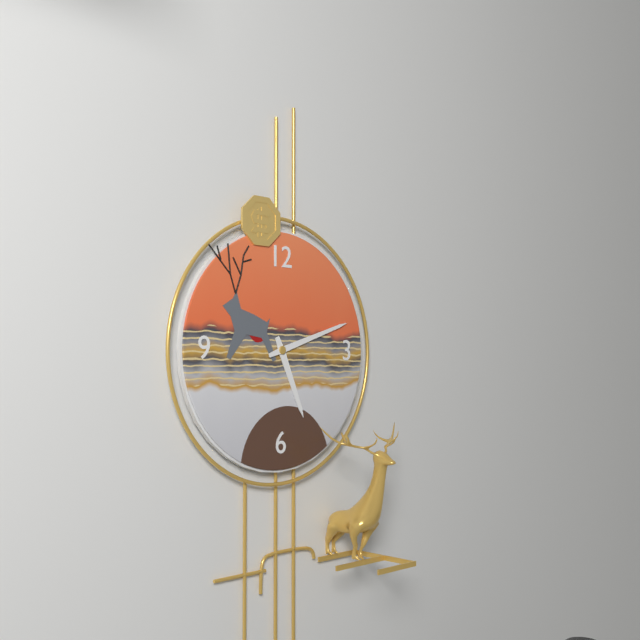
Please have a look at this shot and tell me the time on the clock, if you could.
5:12
